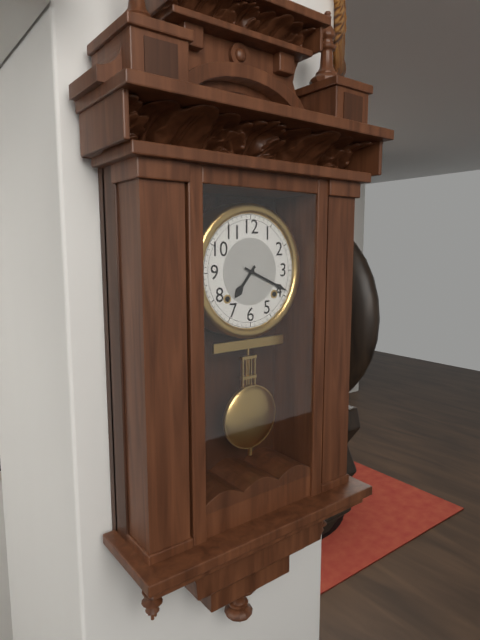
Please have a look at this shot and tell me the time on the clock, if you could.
7:19
